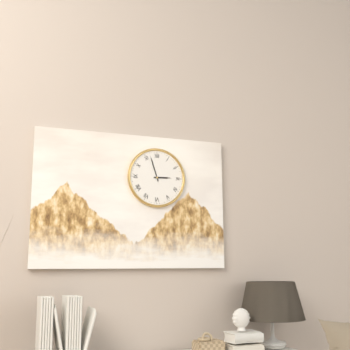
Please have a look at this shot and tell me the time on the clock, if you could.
2:57
